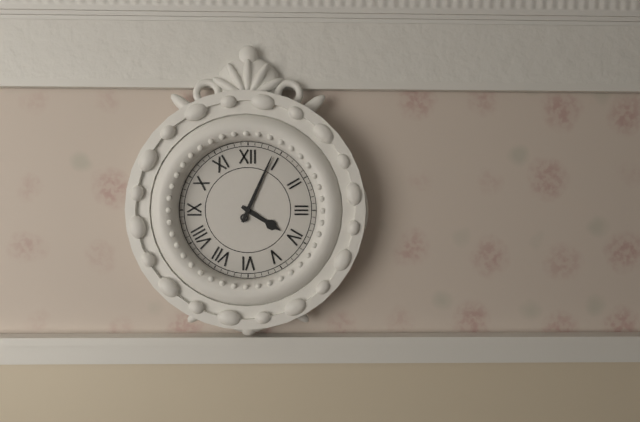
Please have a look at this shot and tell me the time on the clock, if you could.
4:04
